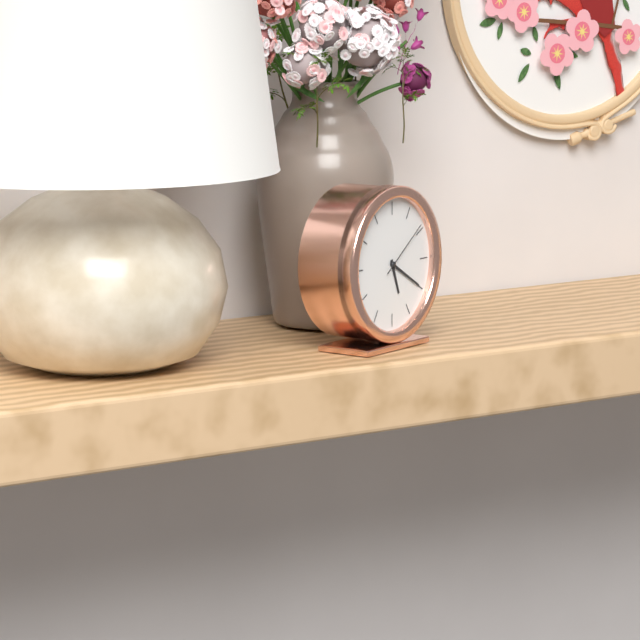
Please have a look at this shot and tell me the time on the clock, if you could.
5:20:09
